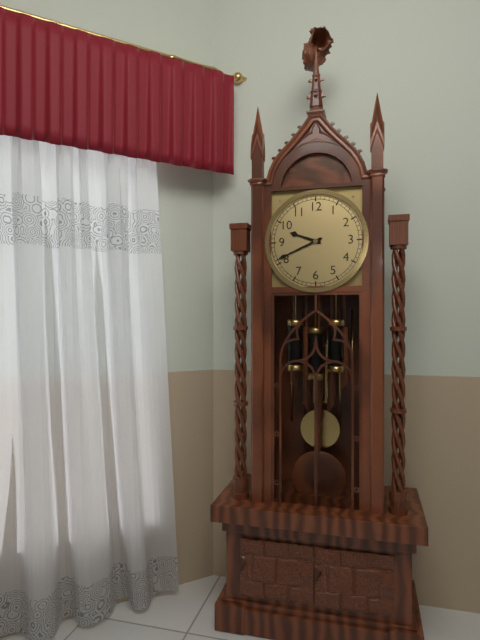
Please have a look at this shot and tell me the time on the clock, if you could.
9:41
